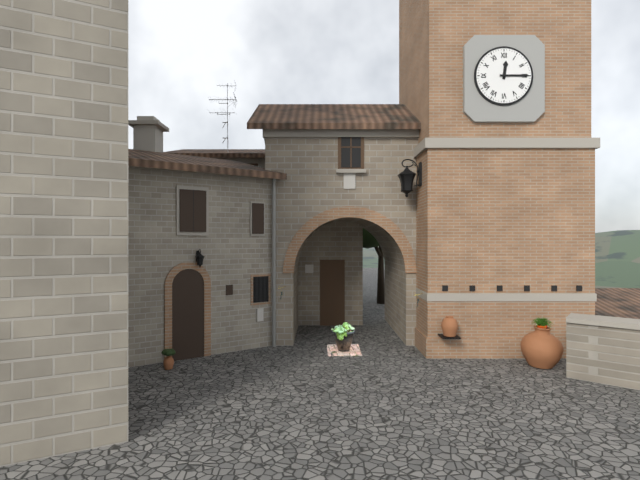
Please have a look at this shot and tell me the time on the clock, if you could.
12:15
